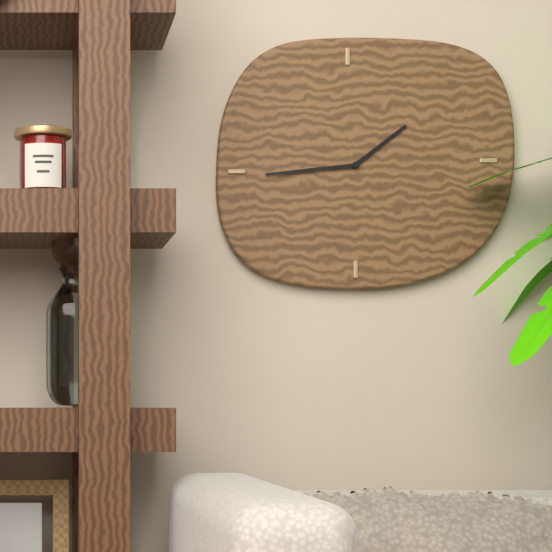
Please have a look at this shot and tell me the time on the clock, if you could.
1:44
